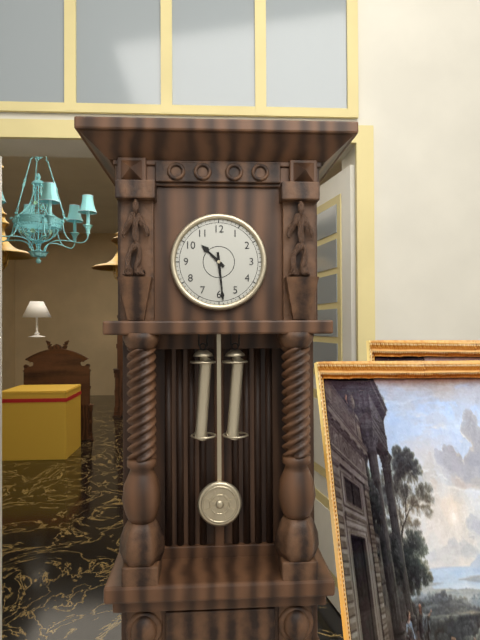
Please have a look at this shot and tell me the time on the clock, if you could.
10:29
